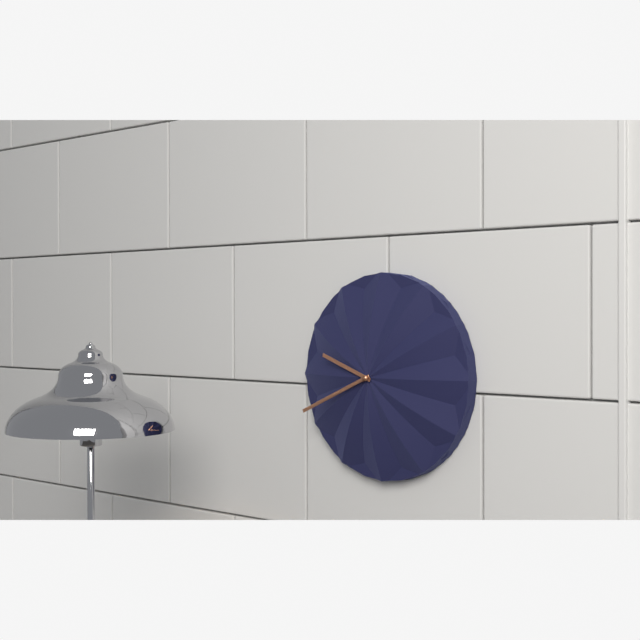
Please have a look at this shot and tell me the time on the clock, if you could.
9:41
